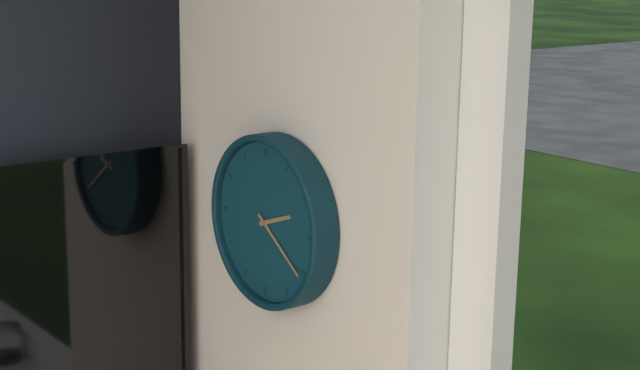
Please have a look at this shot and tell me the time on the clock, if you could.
2:21
